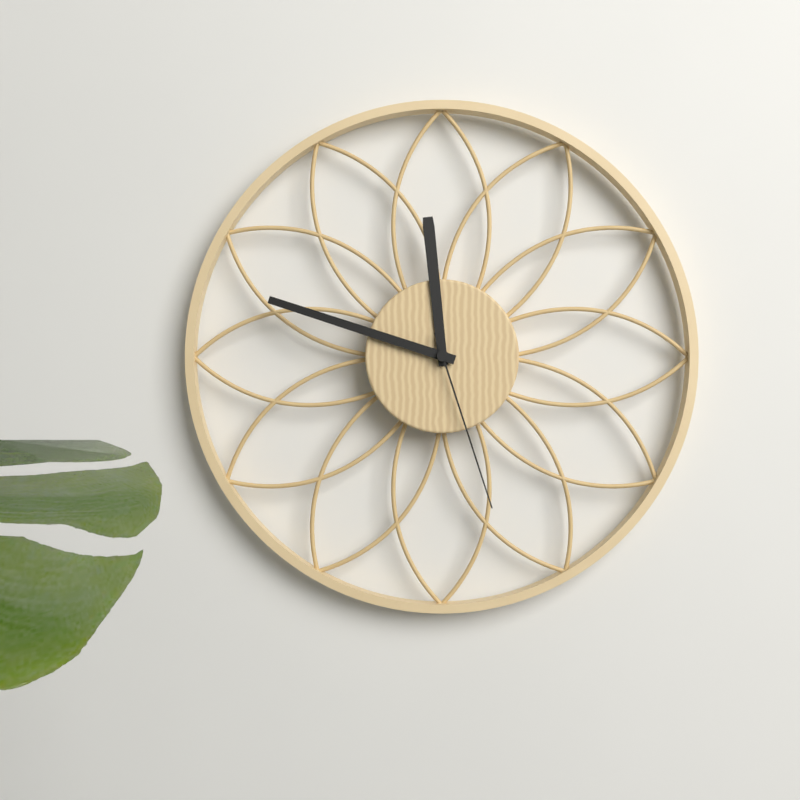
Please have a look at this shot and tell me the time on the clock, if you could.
11:48:27
